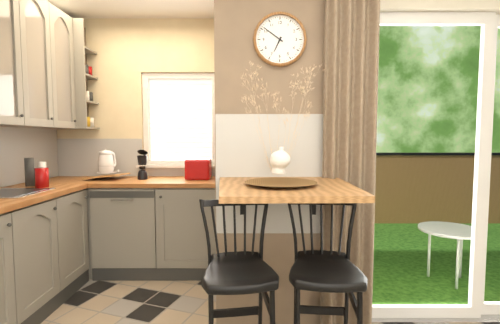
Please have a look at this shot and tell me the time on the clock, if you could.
6:51
